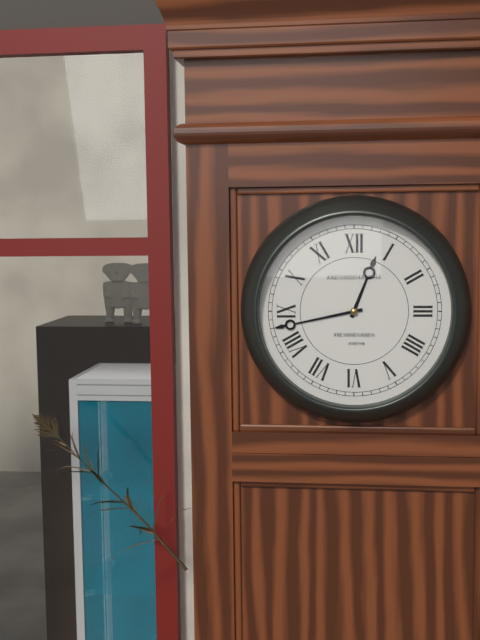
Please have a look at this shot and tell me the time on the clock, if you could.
12:43
